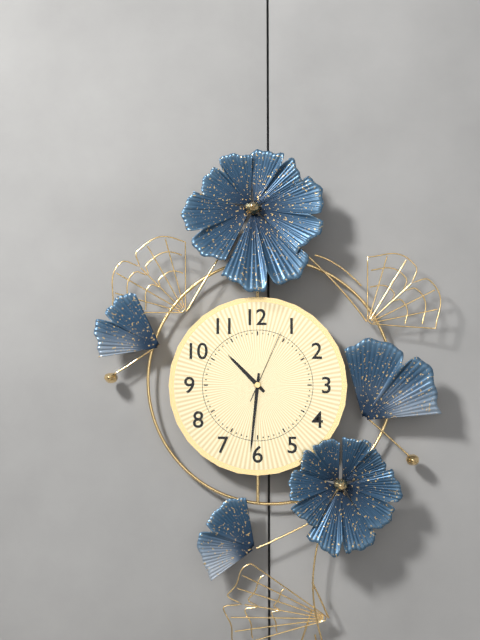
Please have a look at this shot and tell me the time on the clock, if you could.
10:31:04
